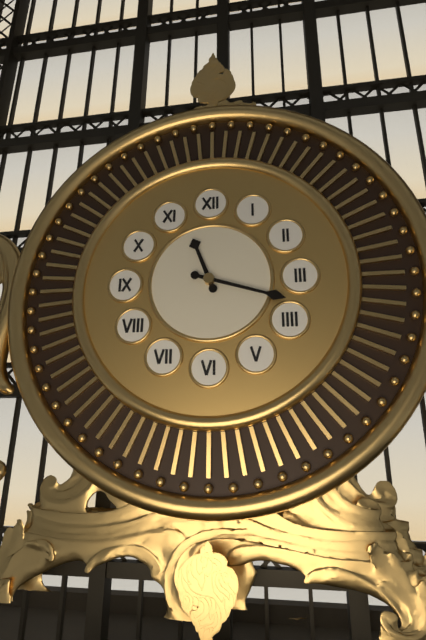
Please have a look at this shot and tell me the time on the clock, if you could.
11:18
